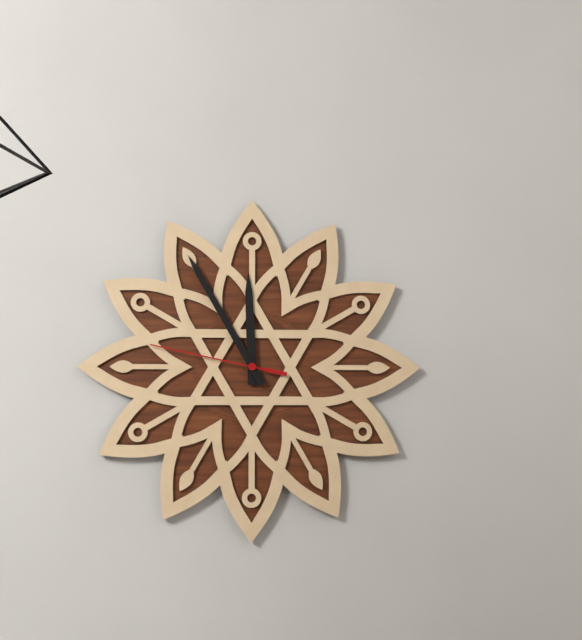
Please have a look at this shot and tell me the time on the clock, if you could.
11:55:47
